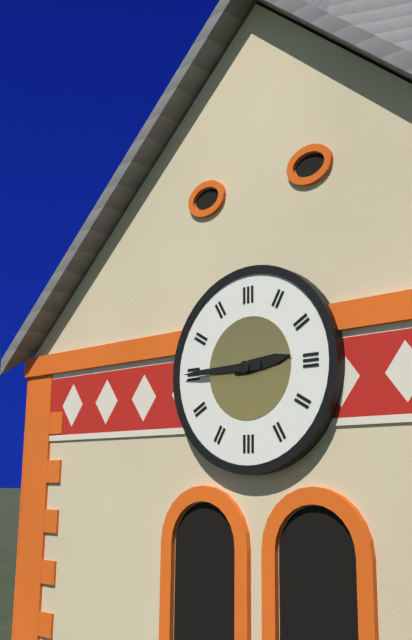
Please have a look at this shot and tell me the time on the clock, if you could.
2:45
